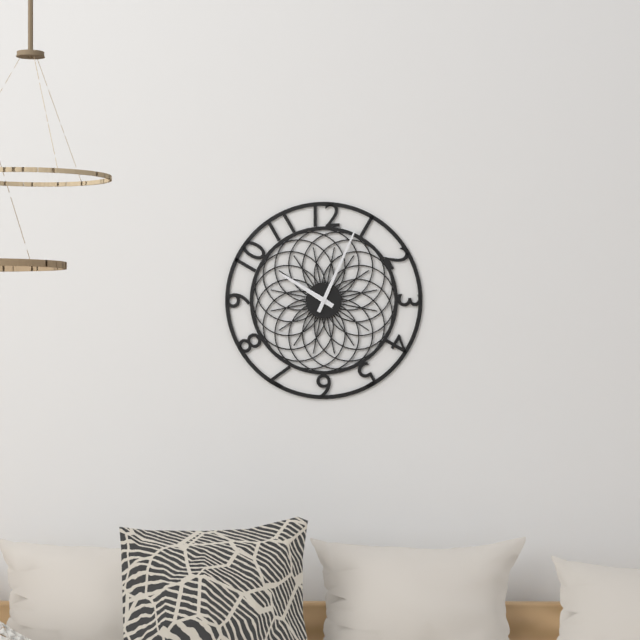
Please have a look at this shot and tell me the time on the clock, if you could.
10:04
